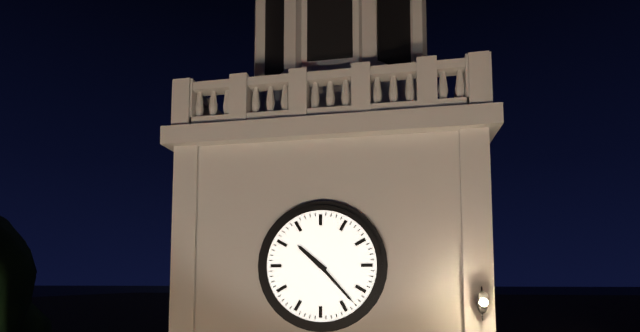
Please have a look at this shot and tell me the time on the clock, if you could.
10:23
